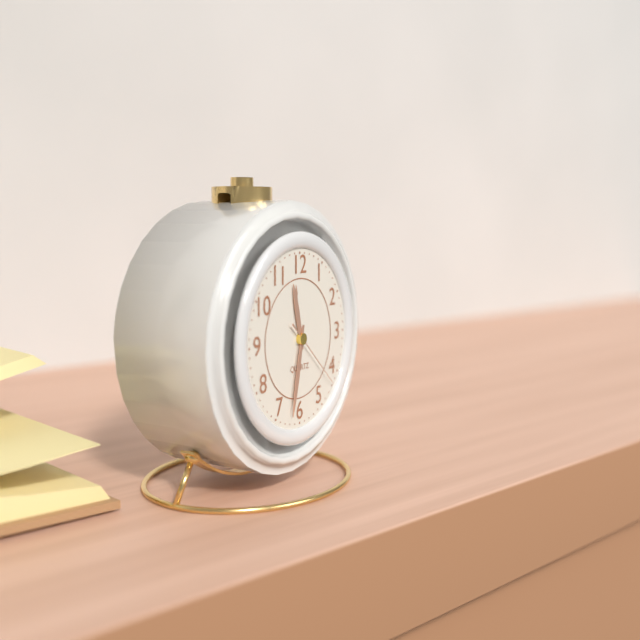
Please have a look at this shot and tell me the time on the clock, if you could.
11:32:22
